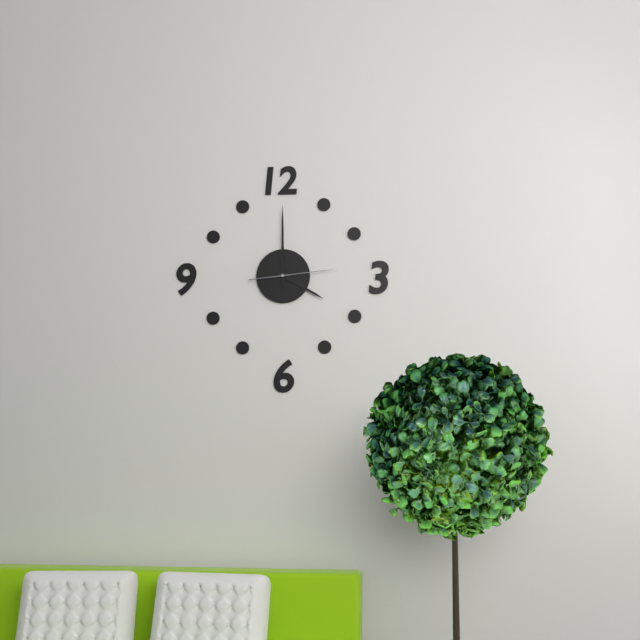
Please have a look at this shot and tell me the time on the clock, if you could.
4:00:14
